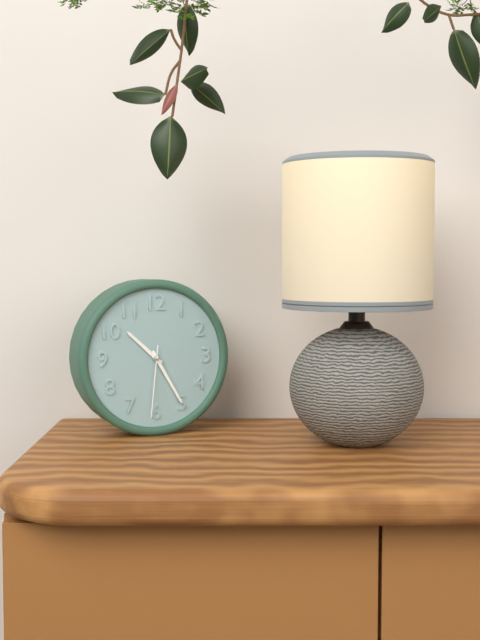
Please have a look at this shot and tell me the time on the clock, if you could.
10:25:31
